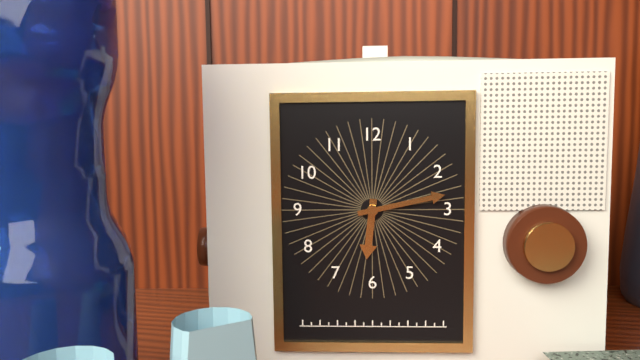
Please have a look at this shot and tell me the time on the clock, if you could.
6:13
